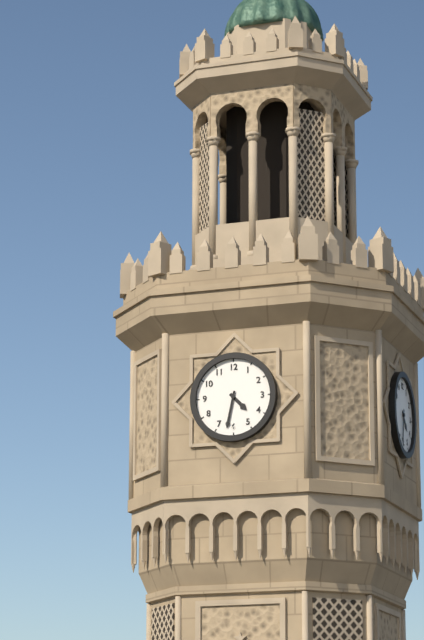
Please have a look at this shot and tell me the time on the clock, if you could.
4:32
